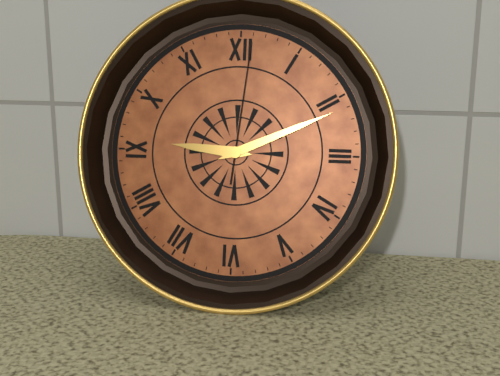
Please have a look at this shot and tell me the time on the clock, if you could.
9:11:01
